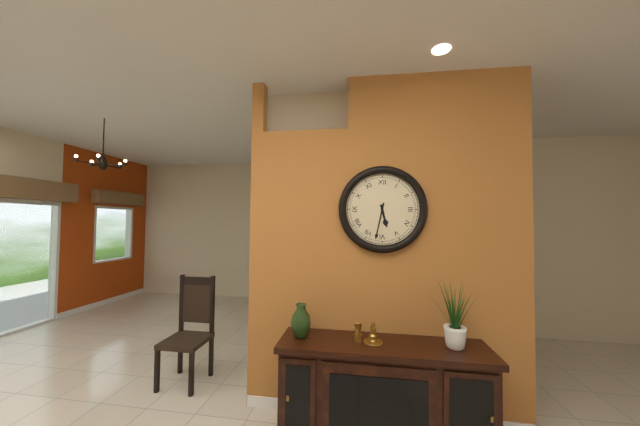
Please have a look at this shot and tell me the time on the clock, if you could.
5:32
